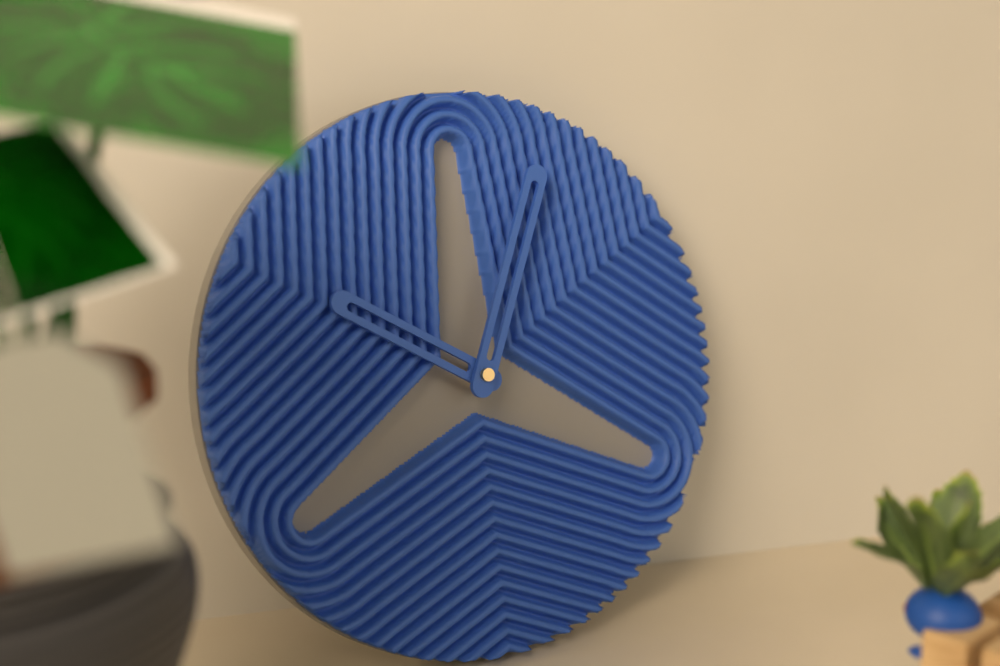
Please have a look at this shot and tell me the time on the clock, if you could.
10:04
